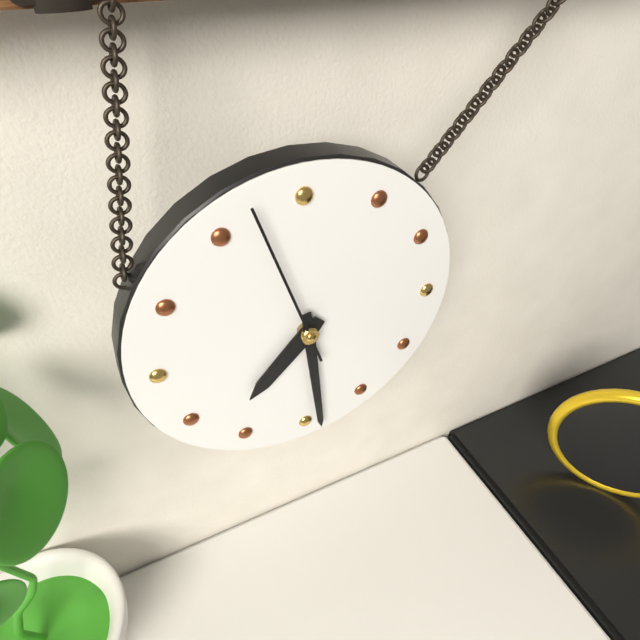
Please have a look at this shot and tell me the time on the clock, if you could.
7:29:57
